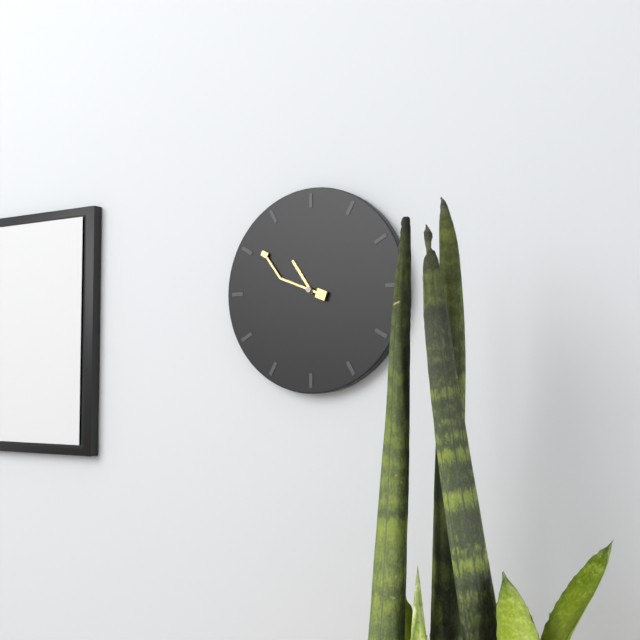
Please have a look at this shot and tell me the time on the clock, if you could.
10:51
